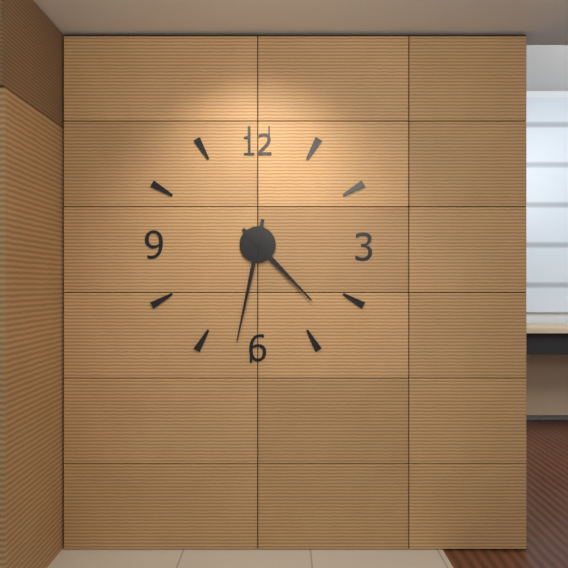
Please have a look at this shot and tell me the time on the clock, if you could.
4:32
